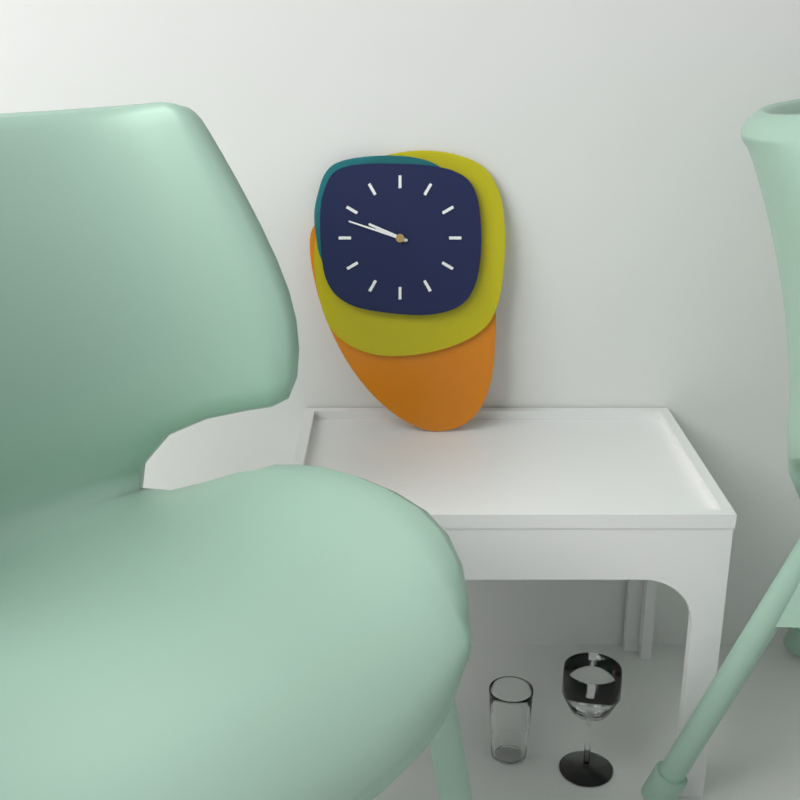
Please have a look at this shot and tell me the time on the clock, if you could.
9:48
